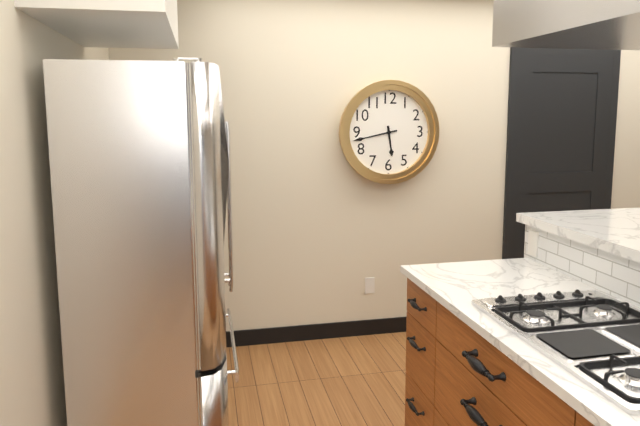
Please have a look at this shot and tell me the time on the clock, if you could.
5:43
